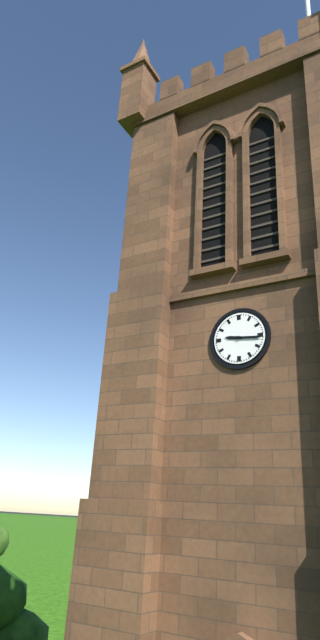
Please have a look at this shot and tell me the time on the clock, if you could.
9:16
